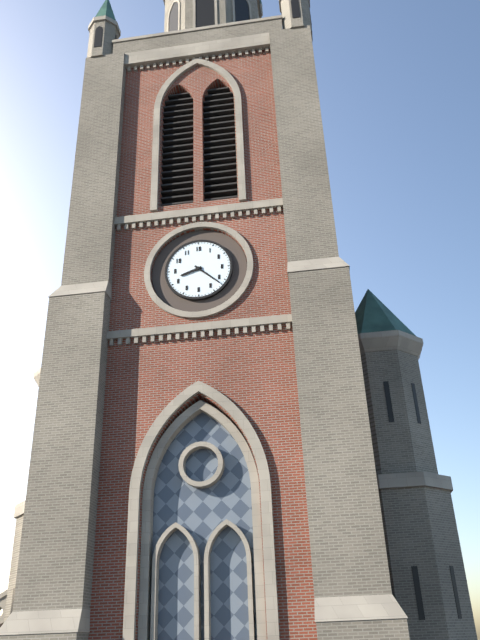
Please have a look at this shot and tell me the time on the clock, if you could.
8:22
